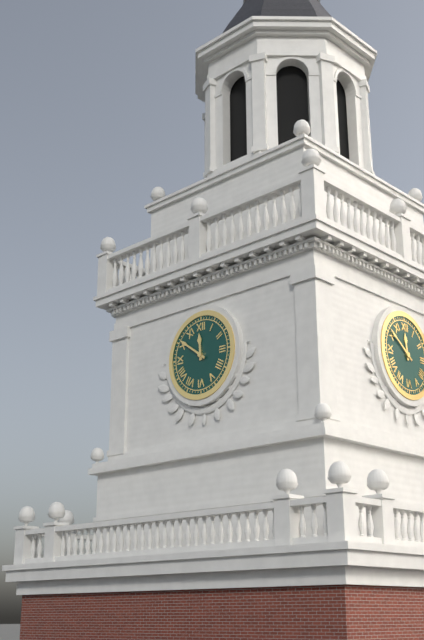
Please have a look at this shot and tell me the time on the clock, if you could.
11:51
